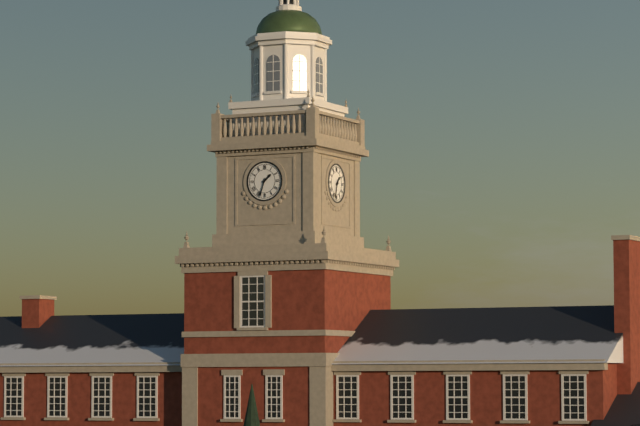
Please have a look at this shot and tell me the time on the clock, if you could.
1:33
